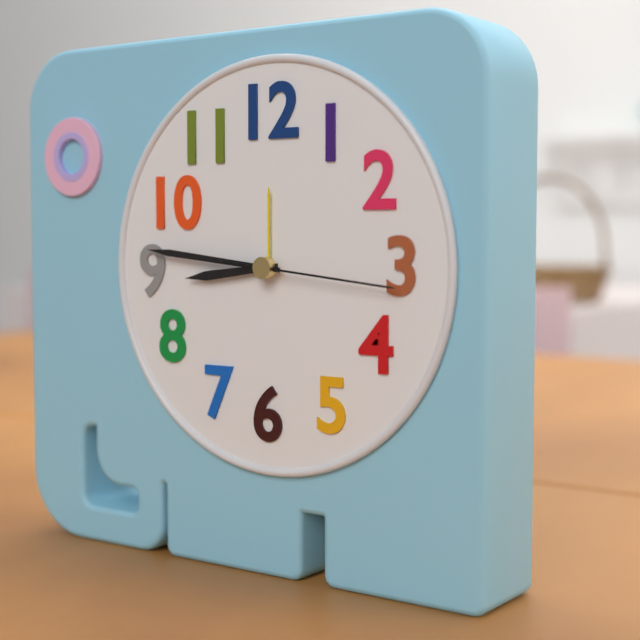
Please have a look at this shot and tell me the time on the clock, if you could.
8:46:16
